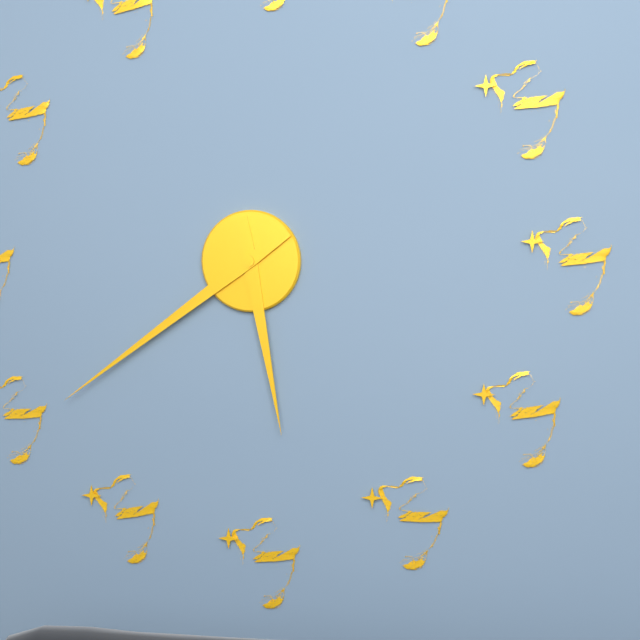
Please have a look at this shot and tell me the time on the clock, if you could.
5:39
